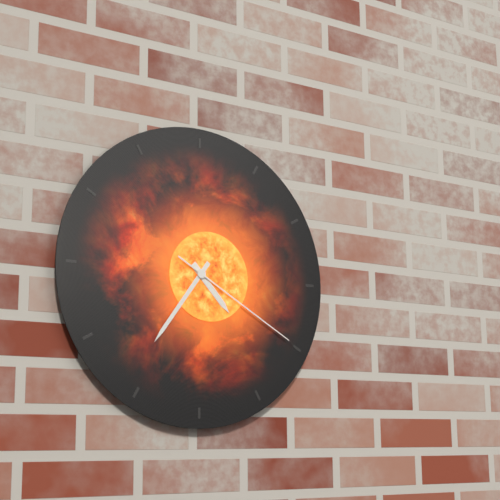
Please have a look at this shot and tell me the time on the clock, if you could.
4:36:20
